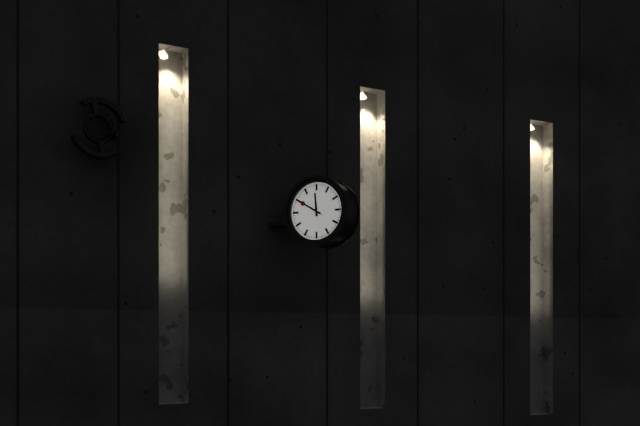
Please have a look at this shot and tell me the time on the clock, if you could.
11:50
